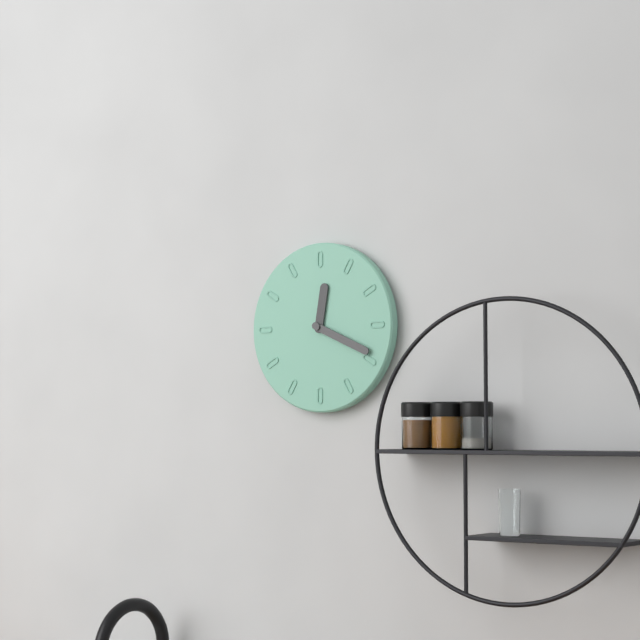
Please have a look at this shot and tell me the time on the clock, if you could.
12:19
